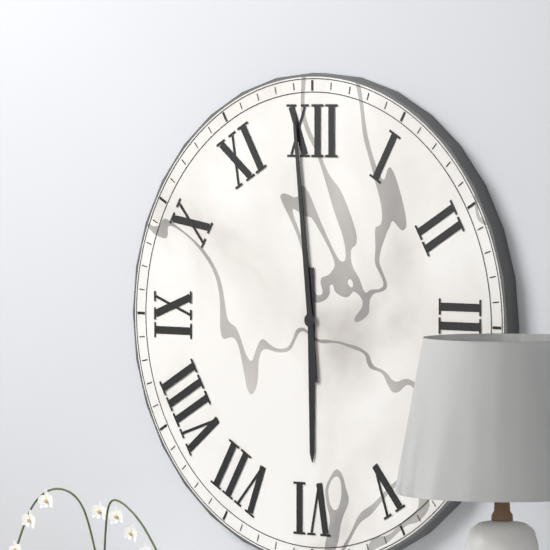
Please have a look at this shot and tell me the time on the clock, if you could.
5:59
